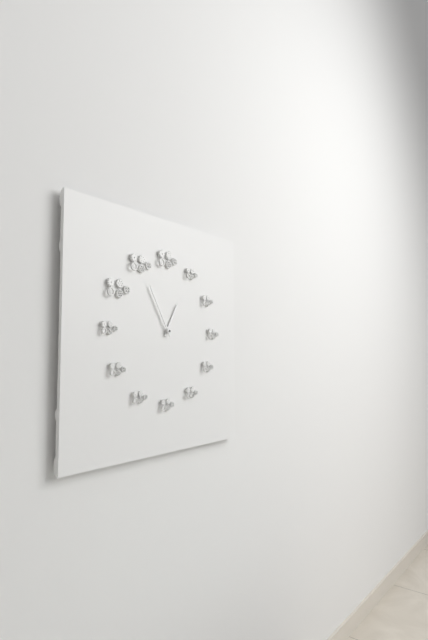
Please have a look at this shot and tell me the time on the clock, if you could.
12:55
